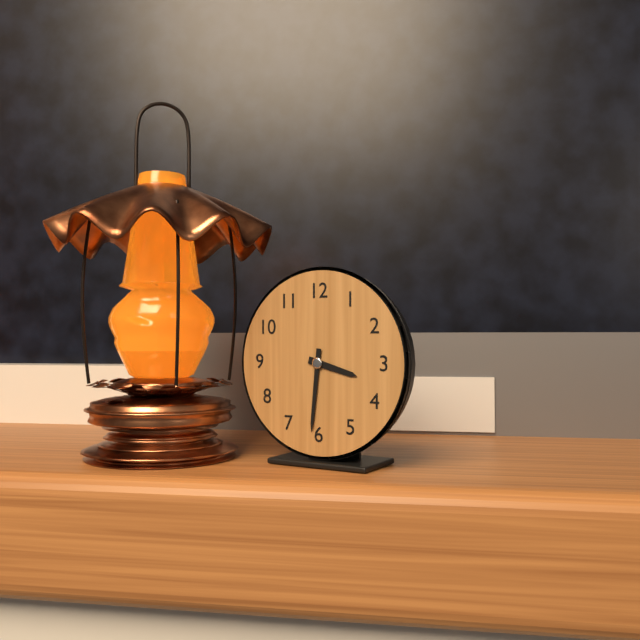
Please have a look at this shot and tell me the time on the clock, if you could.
3:31
